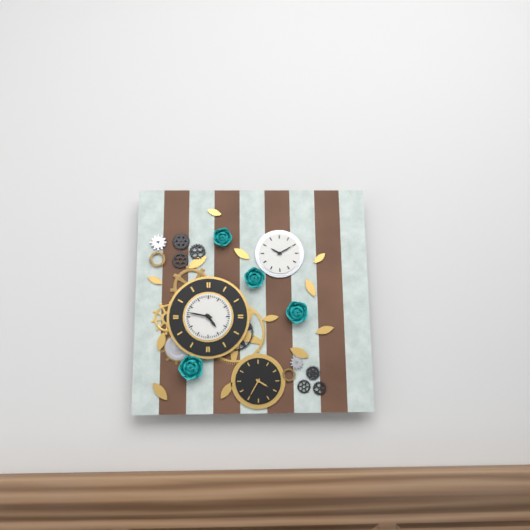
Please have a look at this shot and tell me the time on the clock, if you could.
4:47
